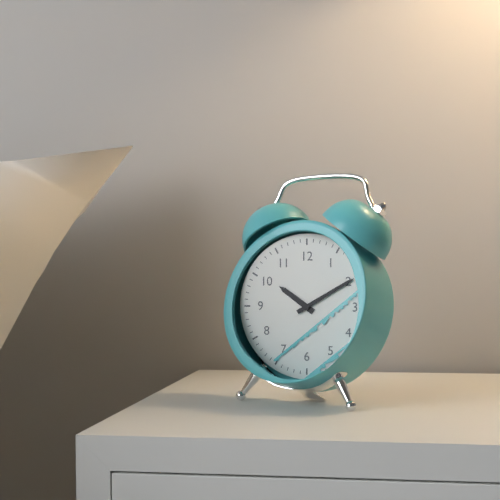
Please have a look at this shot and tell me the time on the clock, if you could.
10:10
